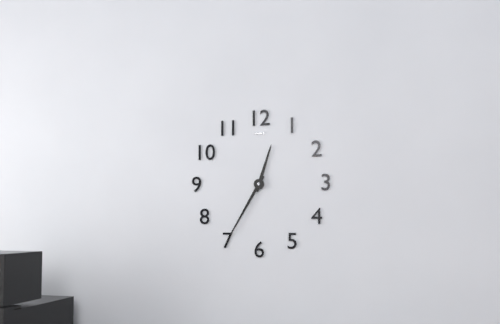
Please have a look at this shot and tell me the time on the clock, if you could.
12:35
